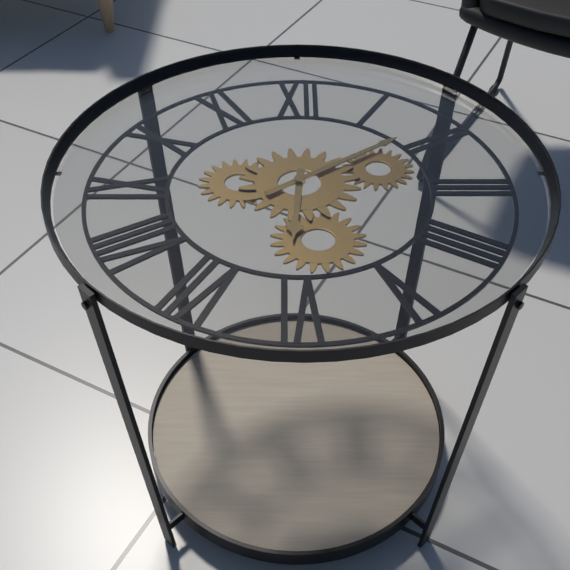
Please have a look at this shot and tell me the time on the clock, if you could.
6:09
